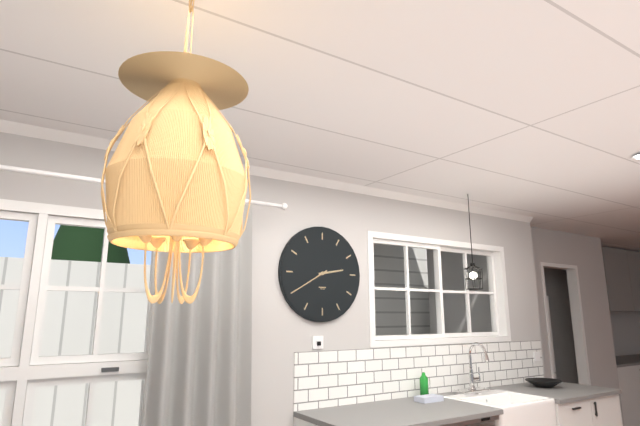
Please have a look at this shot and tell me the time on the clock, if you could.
2:40
